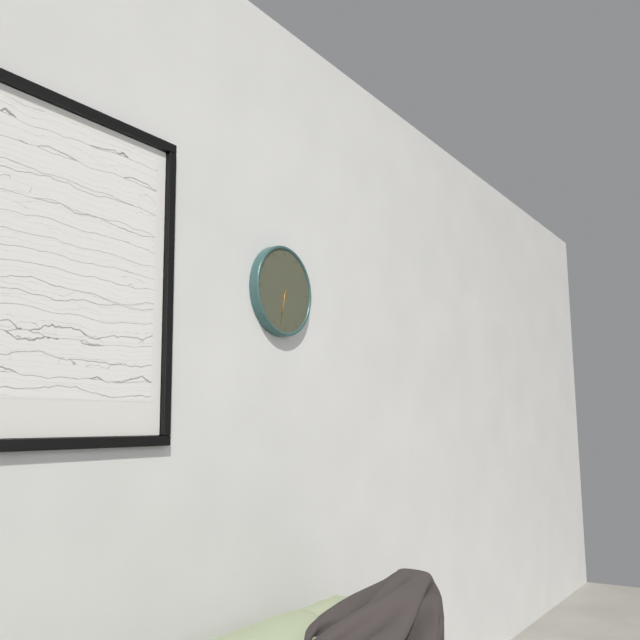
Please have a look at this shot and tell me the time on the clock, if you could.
6:32
